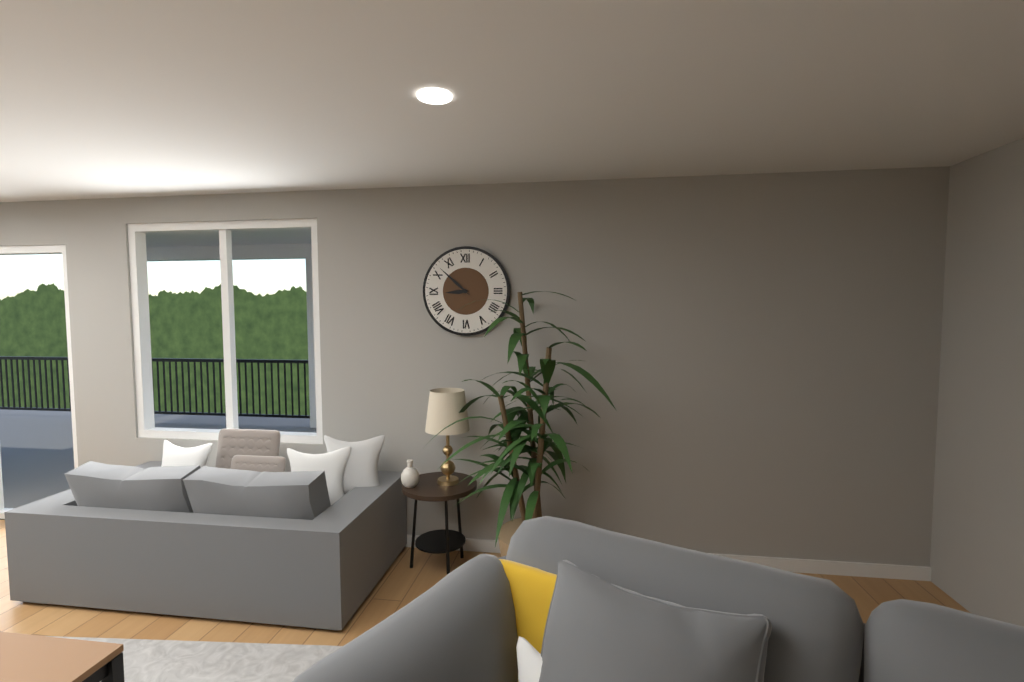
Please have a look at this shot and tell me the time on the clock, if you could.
8:52
